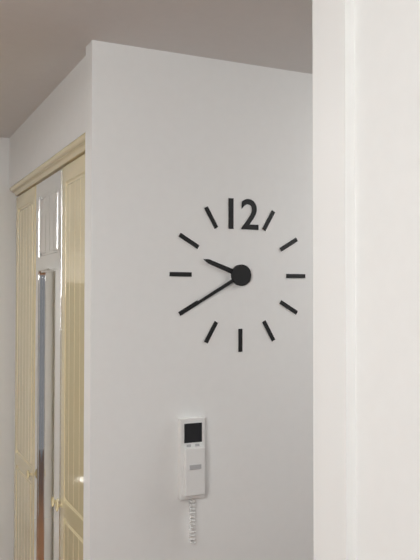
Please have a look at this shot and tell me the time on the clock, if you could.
9:40
